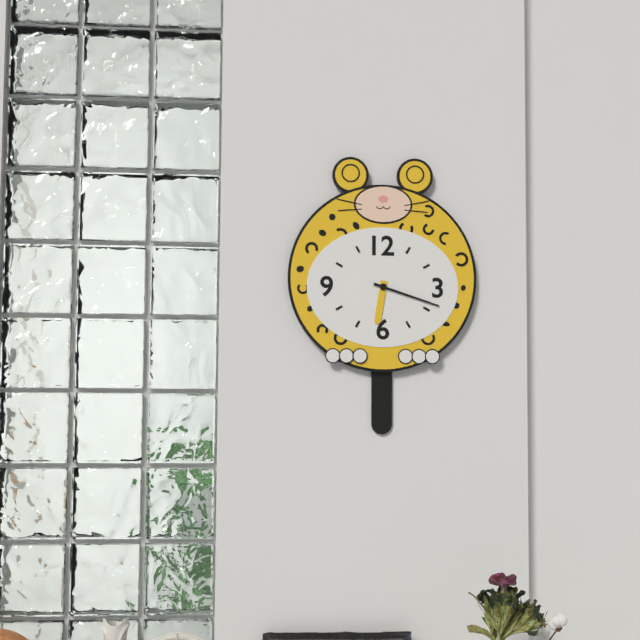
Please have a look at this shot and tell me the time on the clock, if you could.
6:18
